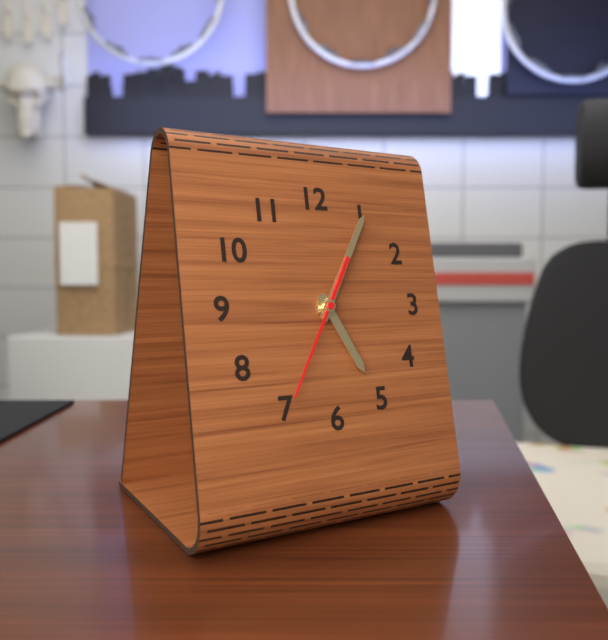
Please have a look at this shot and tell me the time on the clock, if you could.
5:05:35
